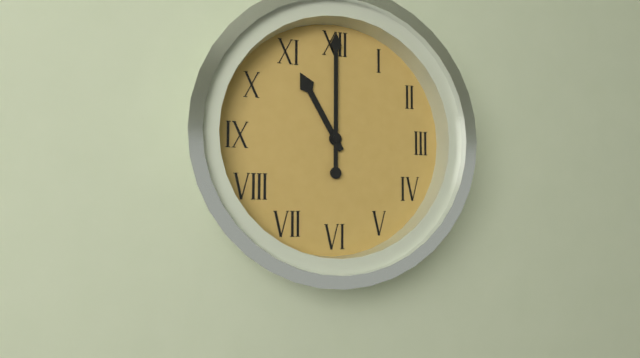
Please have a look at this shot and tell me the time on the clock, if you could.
11:00
